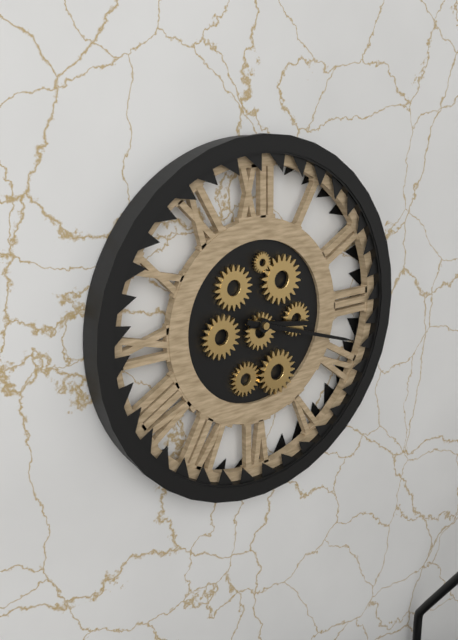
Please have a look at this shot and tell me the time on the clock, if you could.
3:18
